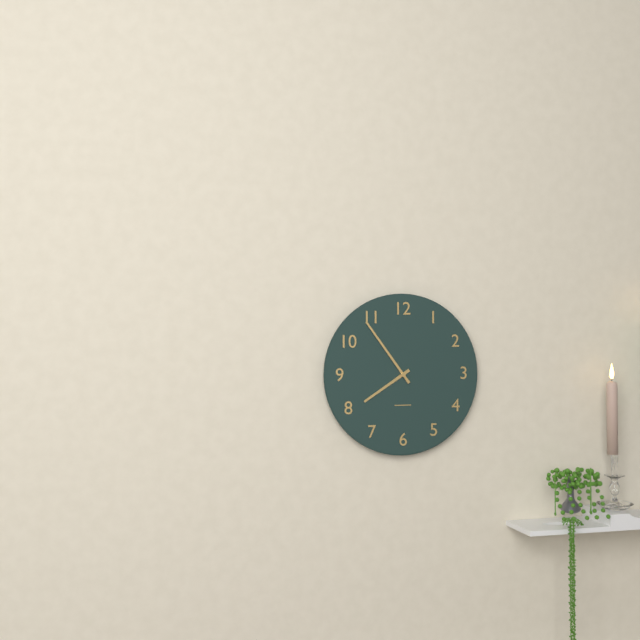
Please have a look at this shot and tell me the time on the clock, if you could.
7:54
